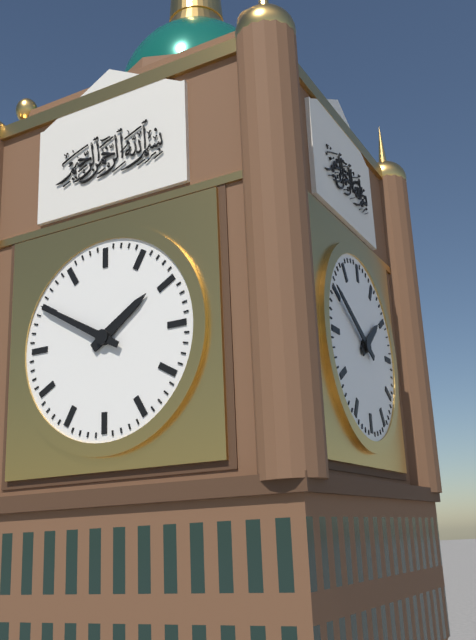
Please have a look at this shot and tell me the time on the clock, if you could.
1:50
